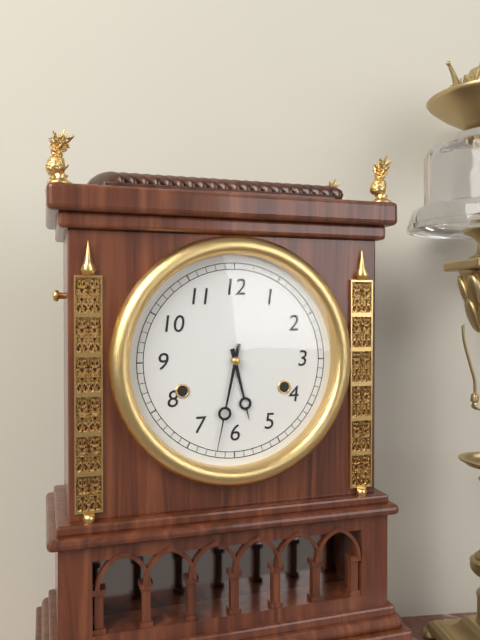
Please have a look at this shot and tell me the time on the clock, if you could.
5:32
